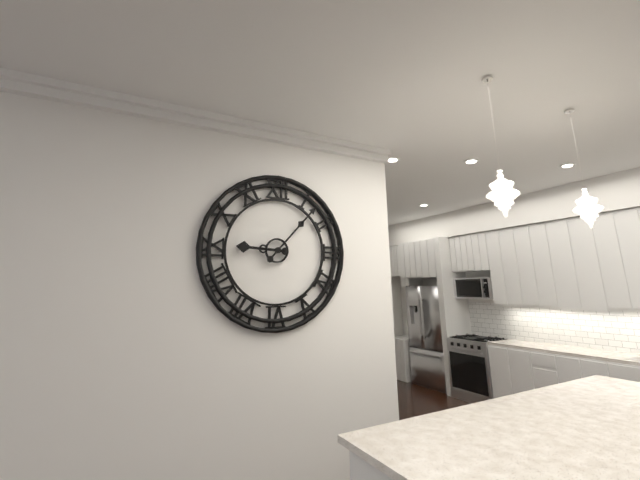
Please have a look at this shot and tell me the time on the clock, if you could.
9:07
